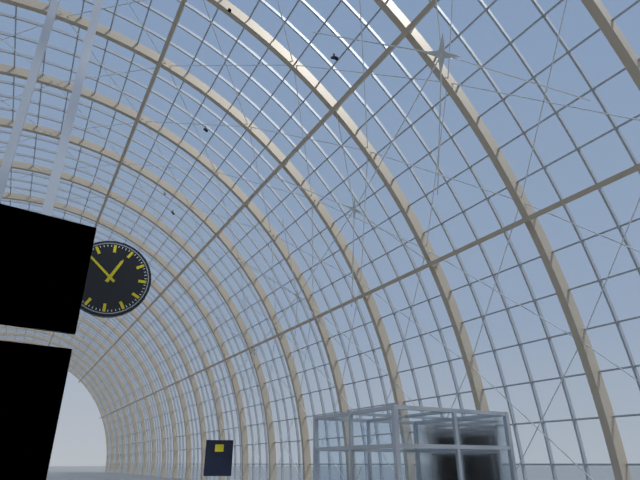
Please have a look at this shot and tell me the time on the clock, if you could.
12:52
